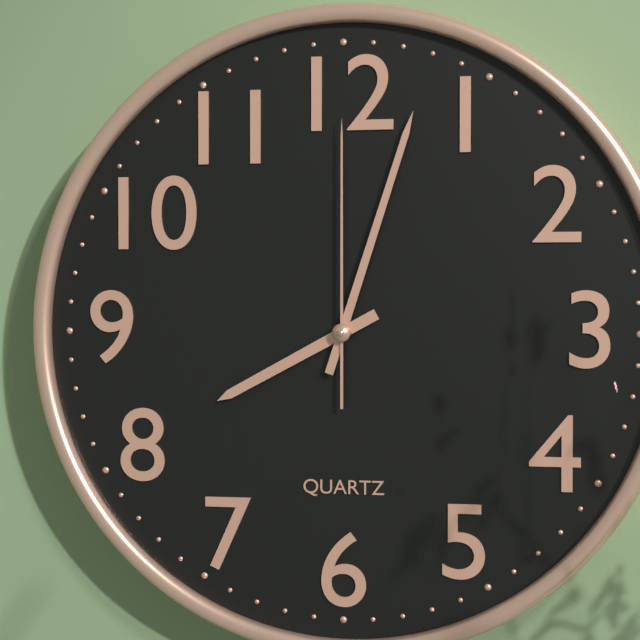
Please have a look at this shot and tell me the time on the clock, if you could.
8:03:00
